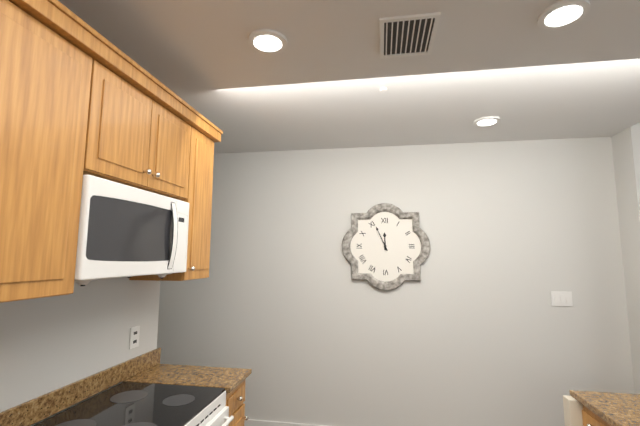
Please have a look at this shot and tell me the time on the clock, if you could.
11:56
